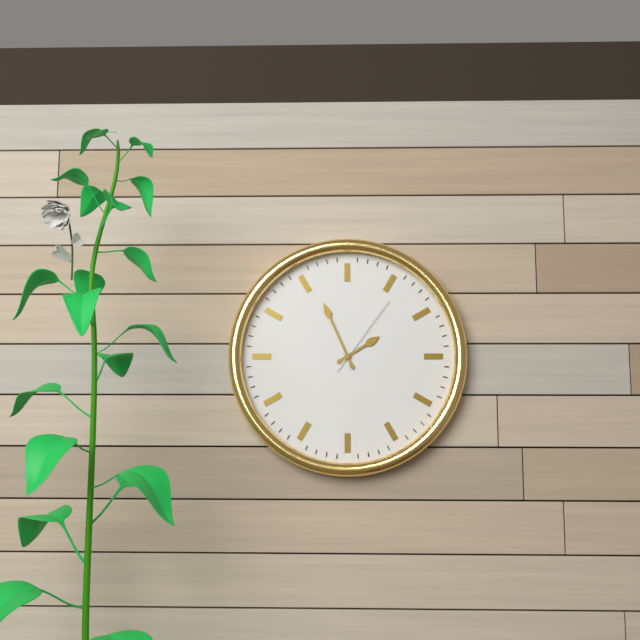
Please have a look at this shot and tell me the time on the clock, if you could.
1:56:06
